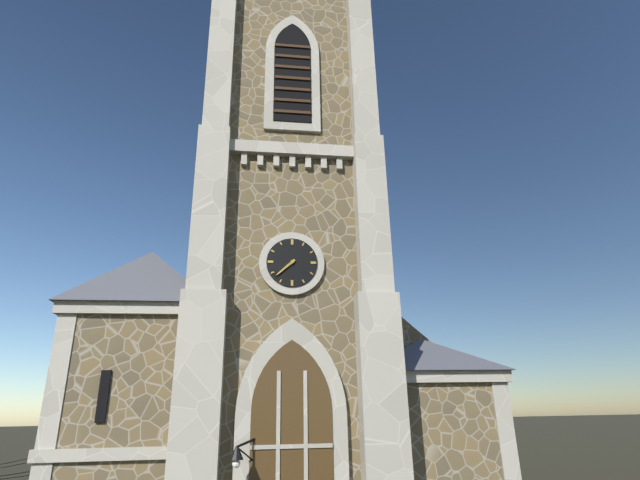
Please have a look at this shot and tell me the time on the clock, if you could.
7:38
